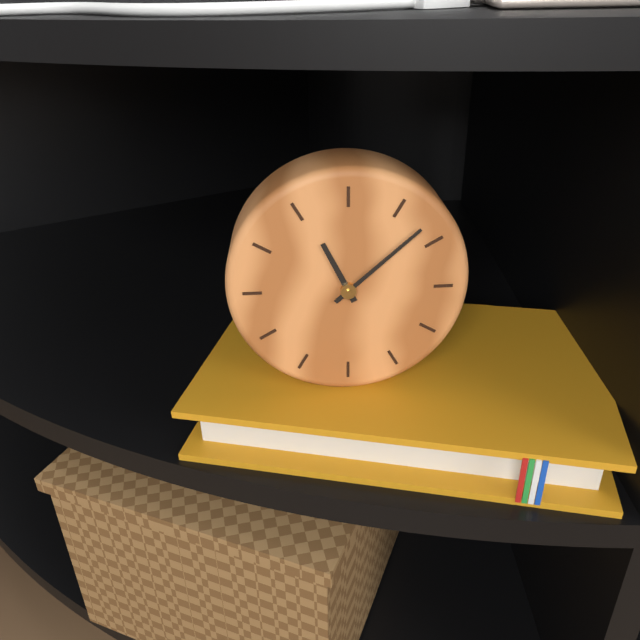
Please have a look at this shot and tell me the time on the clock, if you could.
11:08
